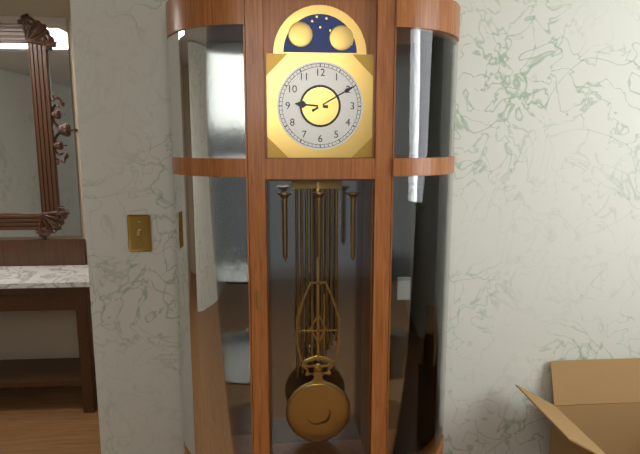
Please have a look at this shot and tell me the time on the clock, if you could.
9:10
